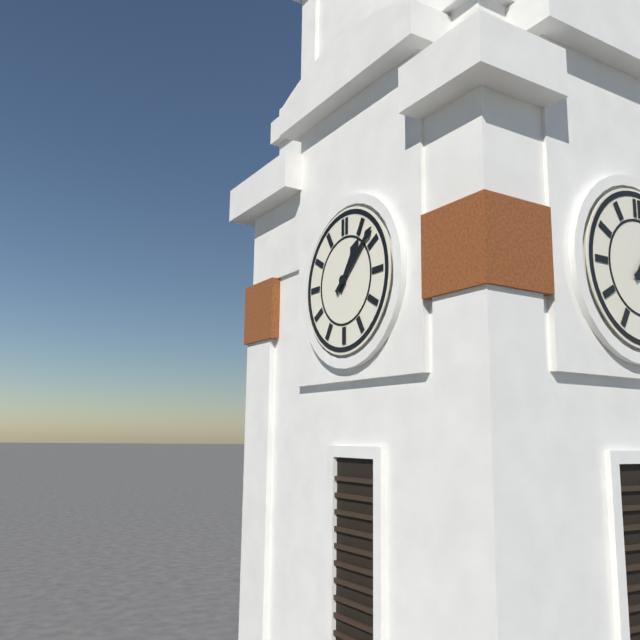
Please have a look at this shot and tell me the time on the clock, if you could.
1:08
